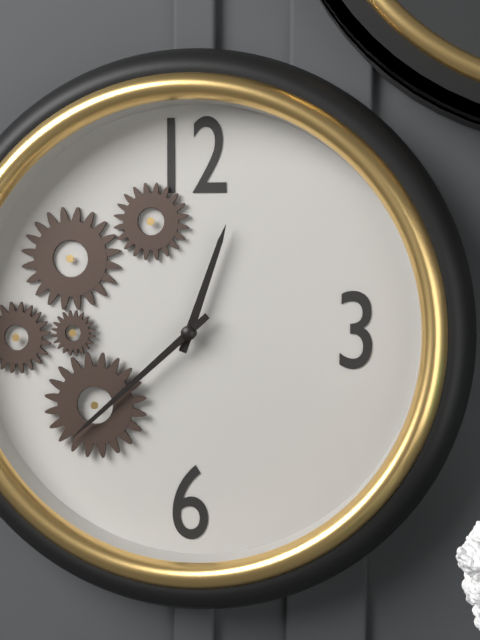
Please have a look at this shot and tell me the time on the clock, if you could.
12:38
